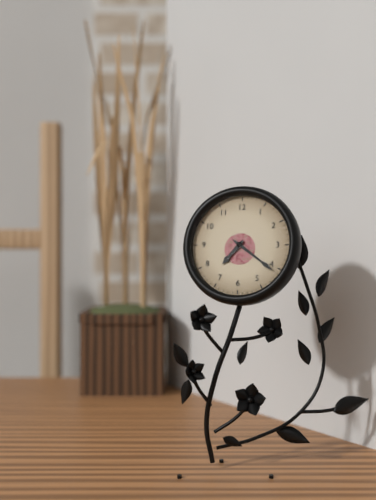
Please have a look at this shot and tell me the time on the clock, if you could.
7:21
